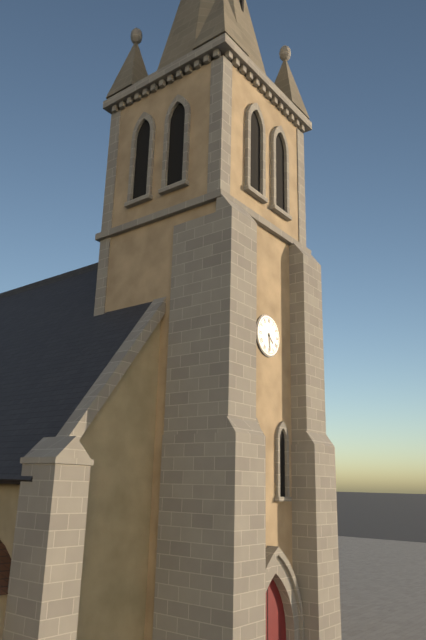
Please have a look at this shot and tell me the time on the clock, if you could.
4:29
